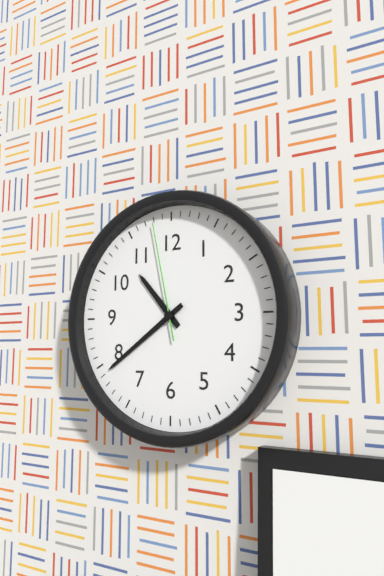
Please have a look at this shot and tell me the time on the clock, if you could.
10:39:58
